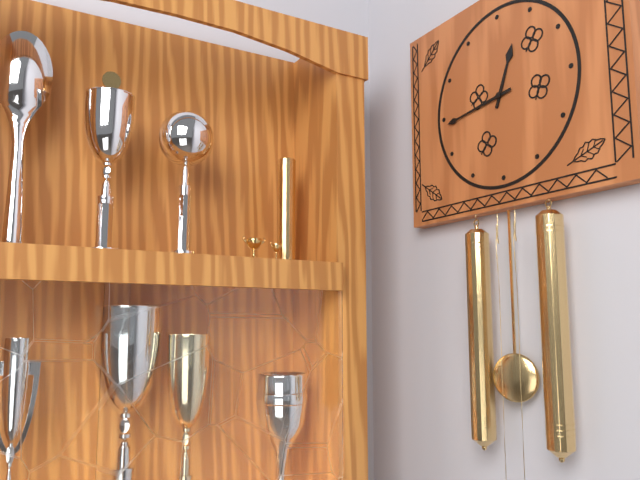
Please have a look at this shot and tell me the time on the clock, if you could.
12:44
